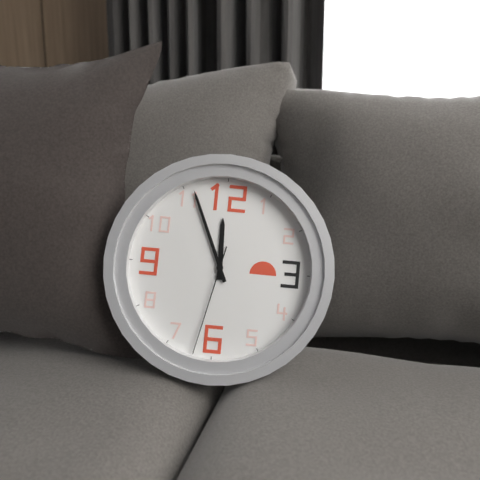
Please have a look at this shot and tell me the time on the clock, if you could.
11:56:32
